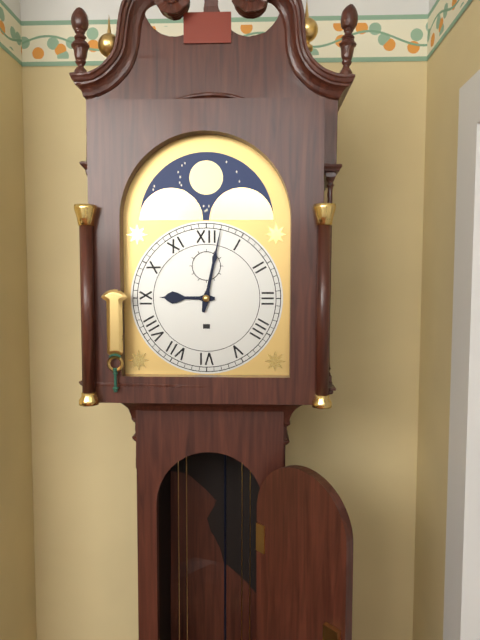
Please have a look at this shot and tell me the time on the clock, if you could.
9:02
